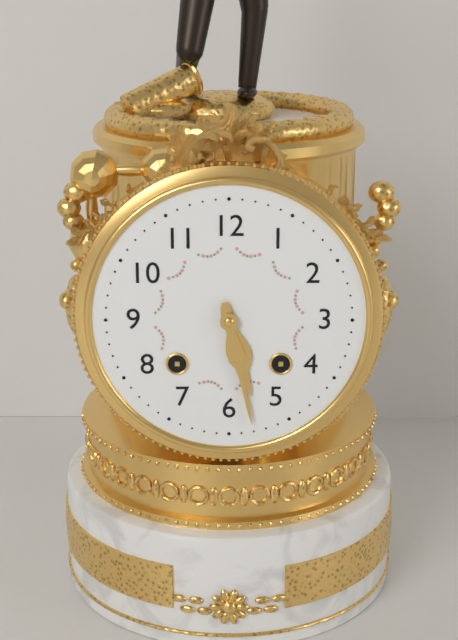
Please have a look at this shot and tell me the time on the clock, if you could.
5:28
